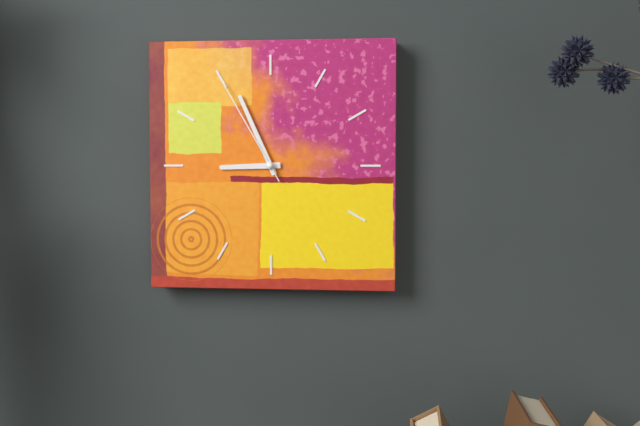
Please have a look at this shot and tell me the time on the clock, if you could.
8:56:55
